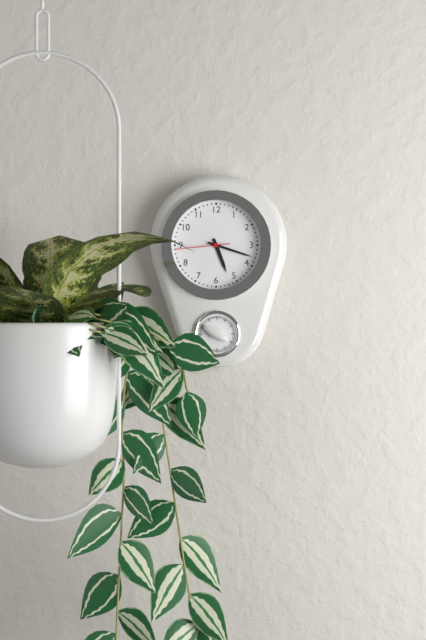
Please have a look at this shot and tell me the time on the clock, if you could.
5:18:44
